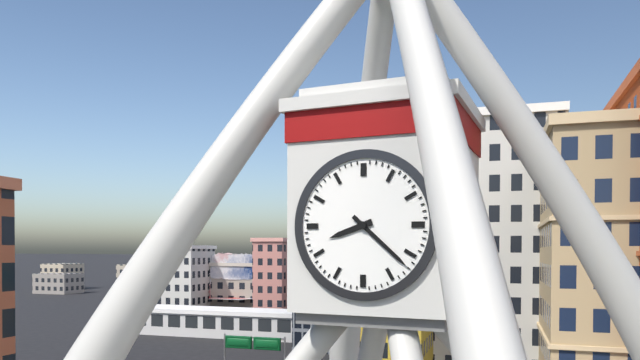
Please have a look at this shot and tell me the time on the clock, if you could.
8:22
